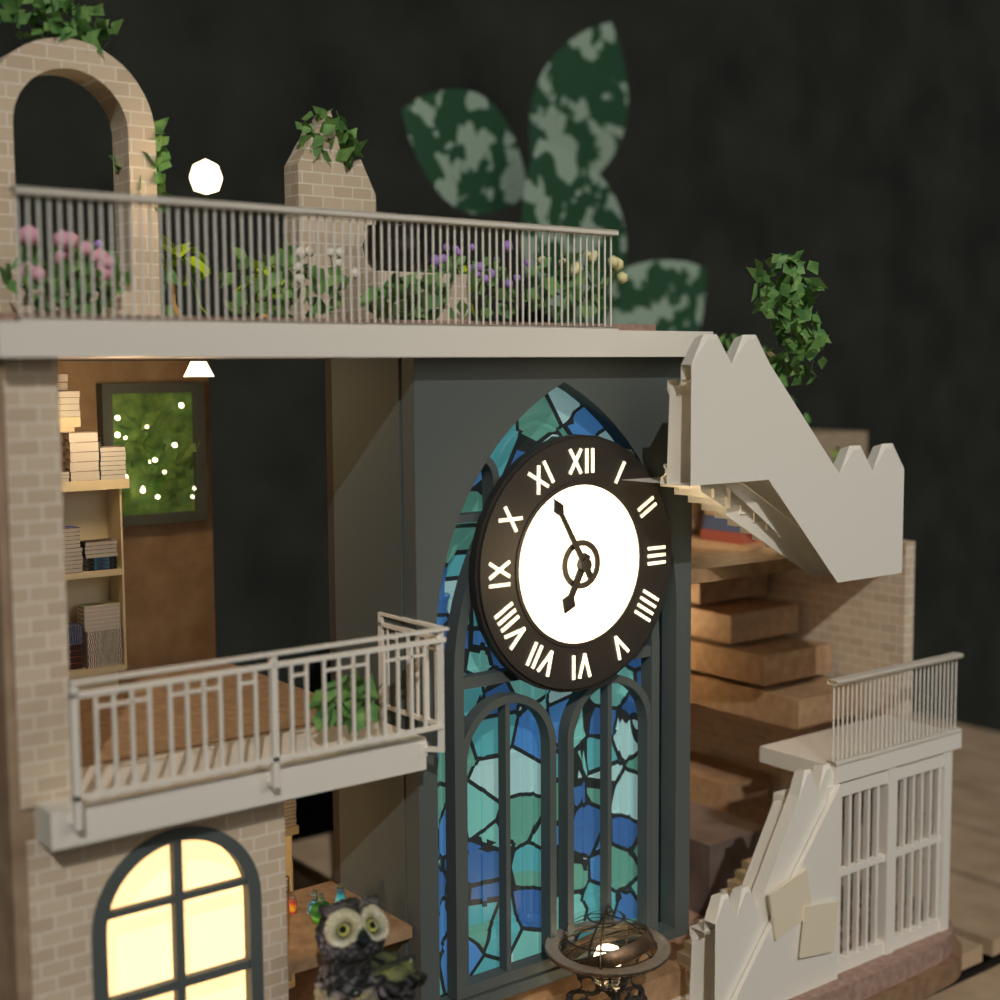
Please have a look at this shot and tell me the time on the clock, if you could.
6:55
